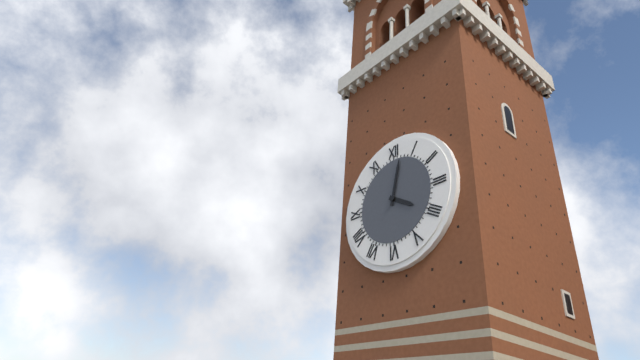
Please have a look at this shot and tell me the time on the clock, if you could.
4:02
